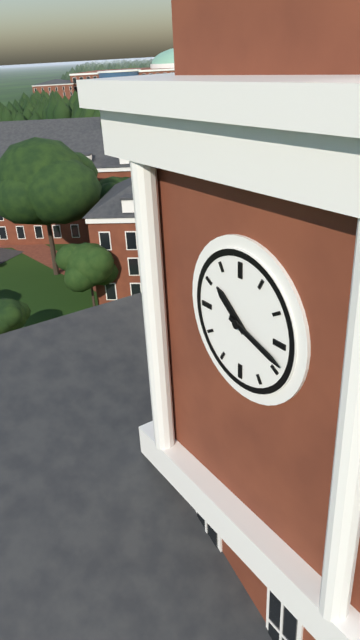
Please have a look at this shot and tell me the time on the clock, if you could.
10:18
